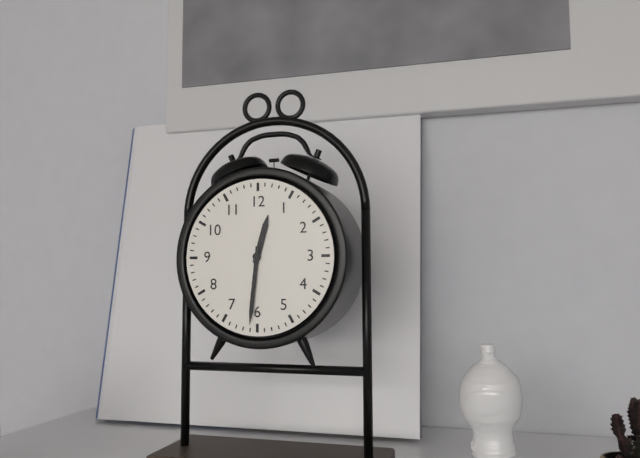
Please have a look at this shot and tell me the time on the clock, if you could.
12:31
